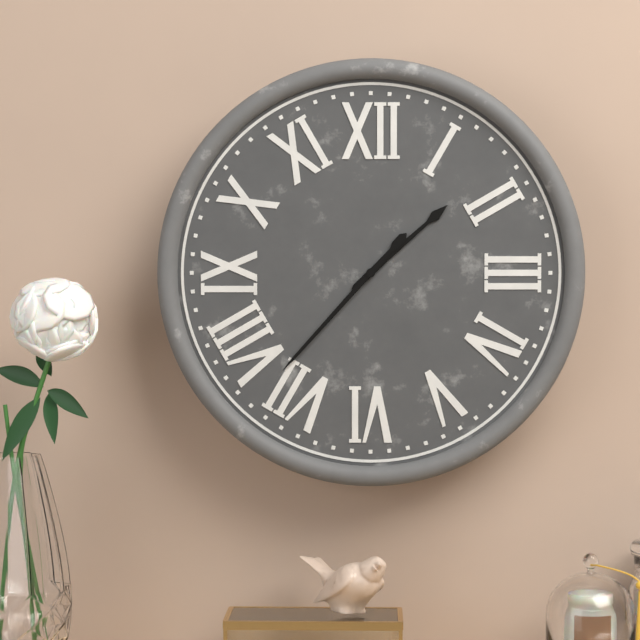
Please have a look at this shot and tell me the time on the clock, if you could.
1:37
